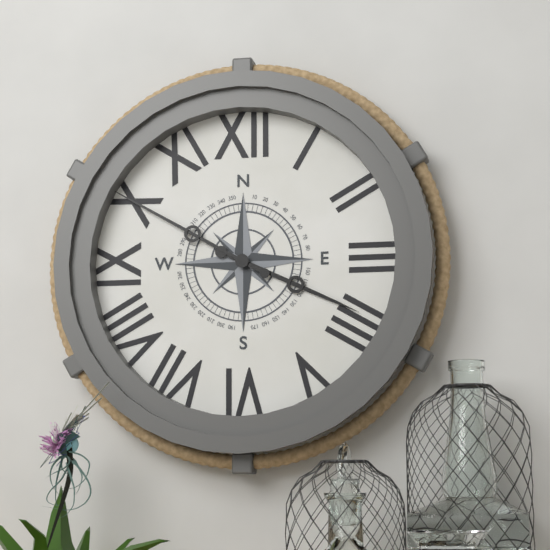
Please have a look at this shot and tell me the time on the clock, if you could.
3:50
